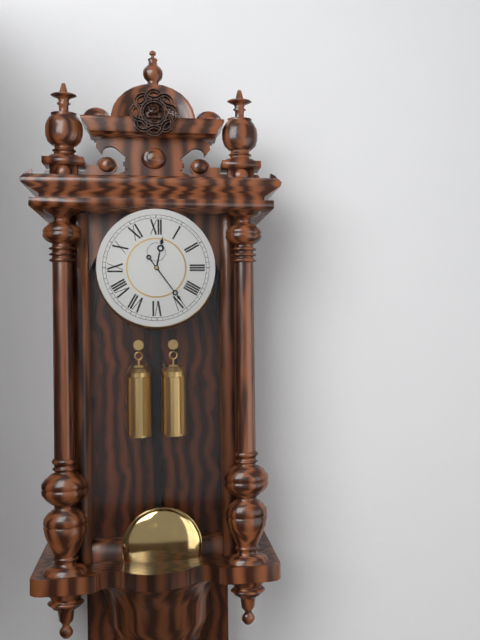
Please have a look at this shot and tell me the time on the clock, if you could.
12:24
